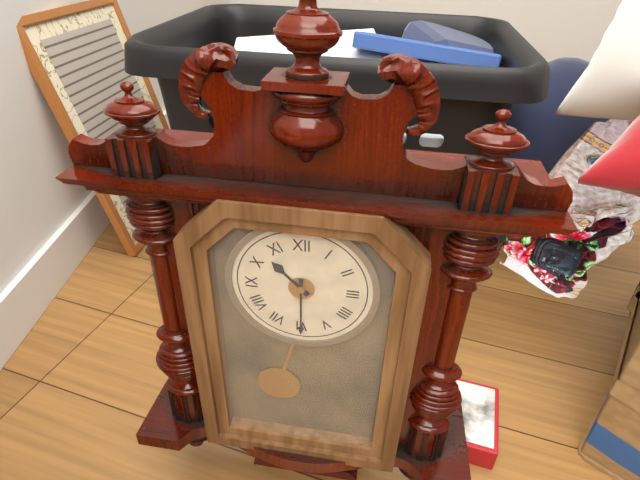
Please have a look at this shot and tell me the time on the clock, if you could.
10:30
